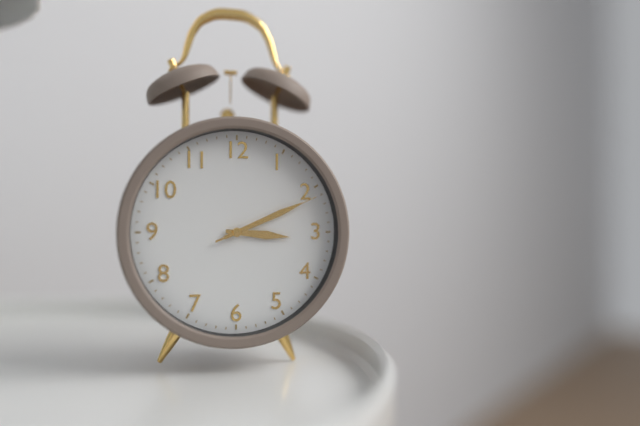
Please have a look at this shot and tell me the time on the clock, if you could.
3:11:11
